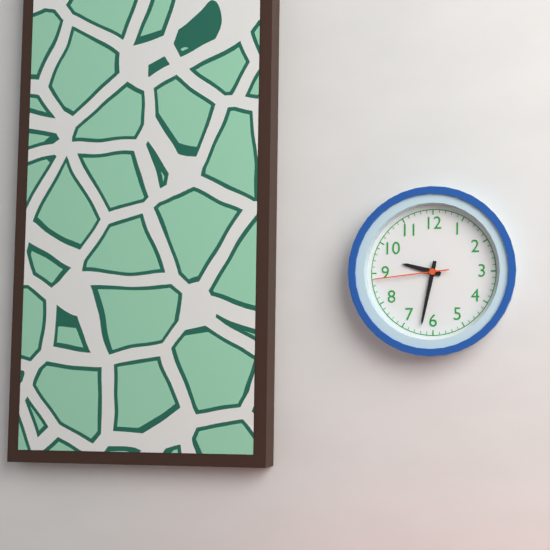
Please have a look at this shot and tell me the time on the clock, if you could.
9:32:44
